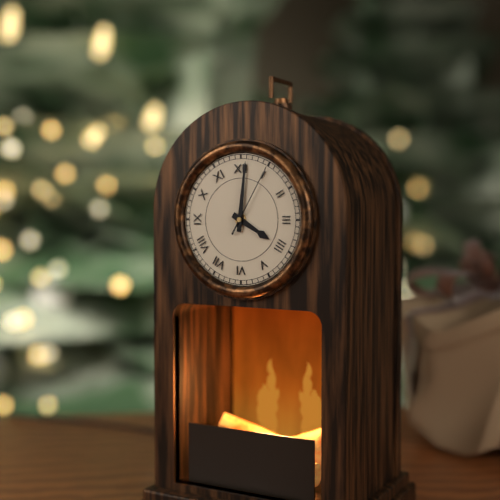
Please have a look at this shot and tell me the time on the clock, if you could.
4:01:05
